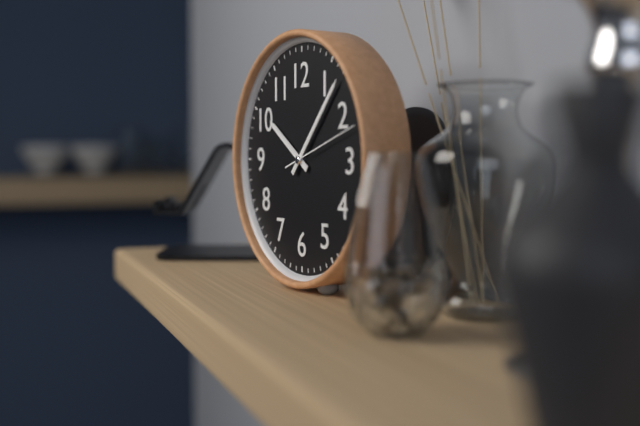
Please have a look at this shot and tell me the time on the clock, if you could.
10:07:12
